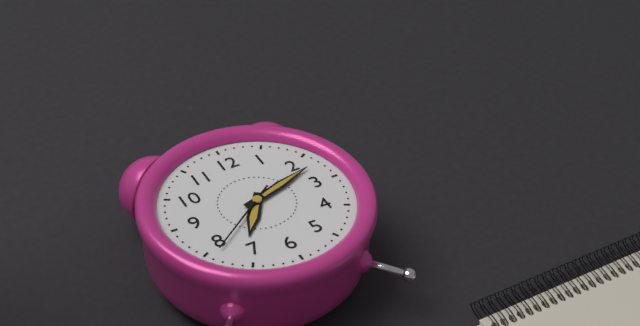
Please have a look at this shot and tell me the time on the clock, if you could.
7:12:39
